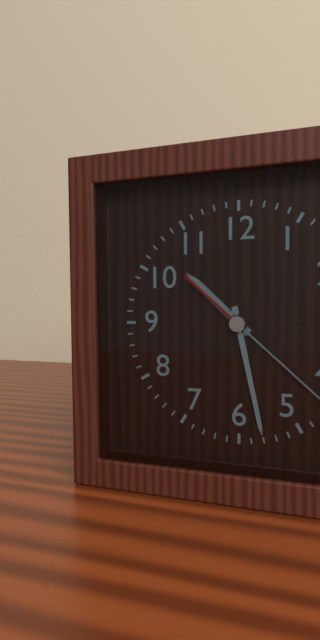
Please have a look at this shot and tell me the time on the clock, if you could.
10:28
